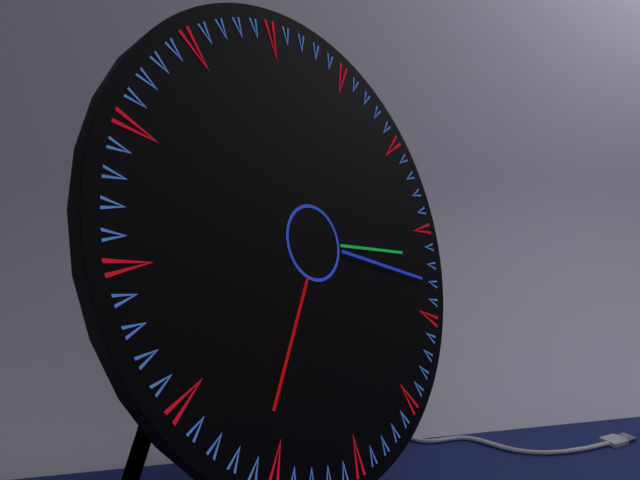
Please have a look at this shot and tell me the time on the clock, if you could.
3:18:36
